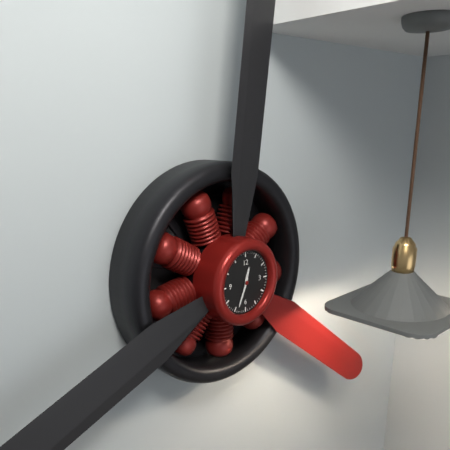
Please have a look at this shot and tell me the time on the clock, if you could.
12:34
